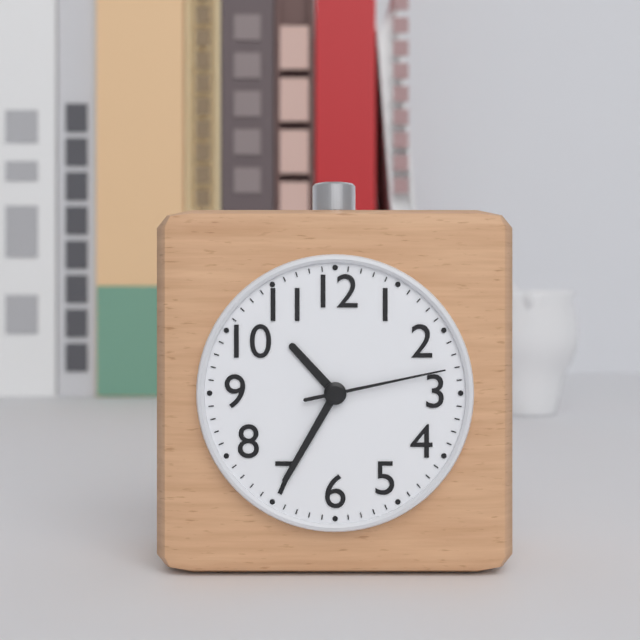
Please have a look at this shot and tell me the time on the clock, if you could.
10:35:13
